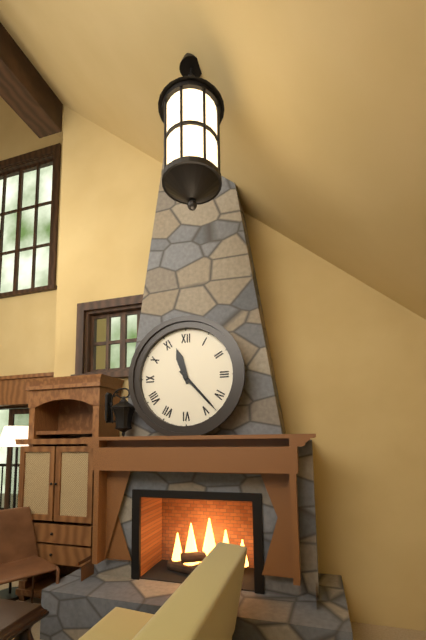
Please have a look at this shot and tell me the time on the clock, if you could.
11:23
